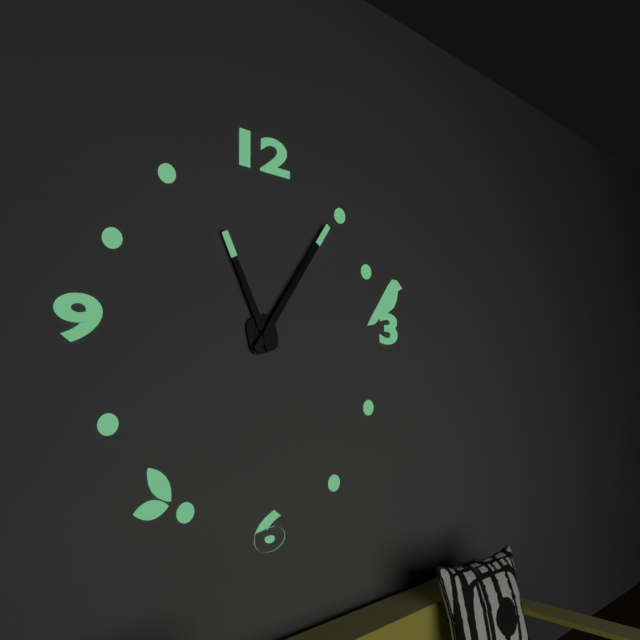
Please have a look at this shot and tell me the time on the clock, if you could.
11:06
